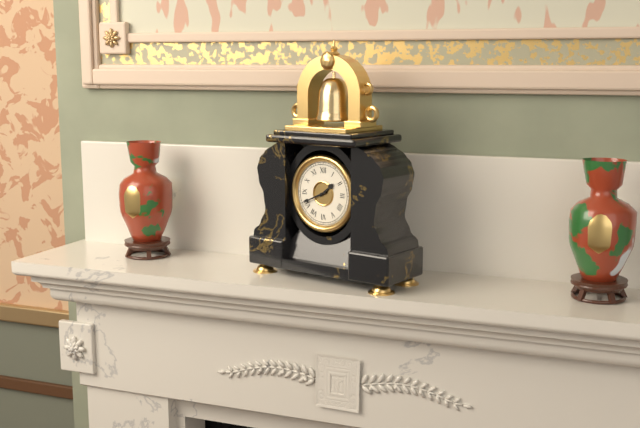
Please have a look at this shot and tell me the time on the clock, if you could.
1:41
